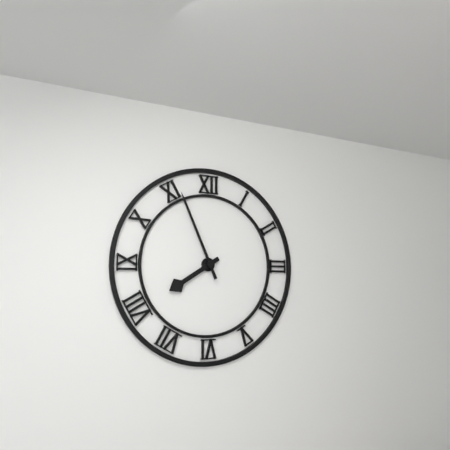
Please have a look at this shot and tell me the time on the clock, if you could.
7:56
